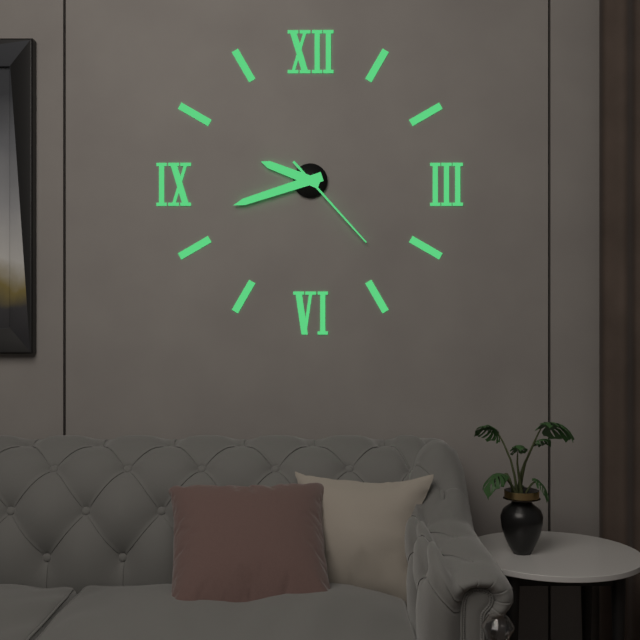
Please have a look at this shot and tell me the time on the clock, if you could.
9:42:23
